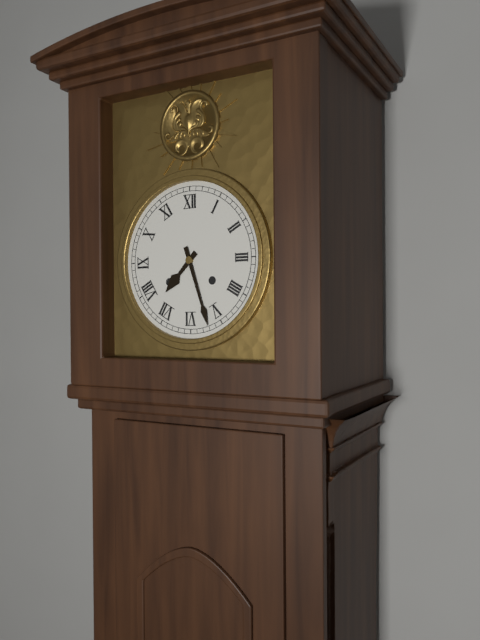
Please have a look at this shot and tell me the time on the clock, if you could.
7:27
